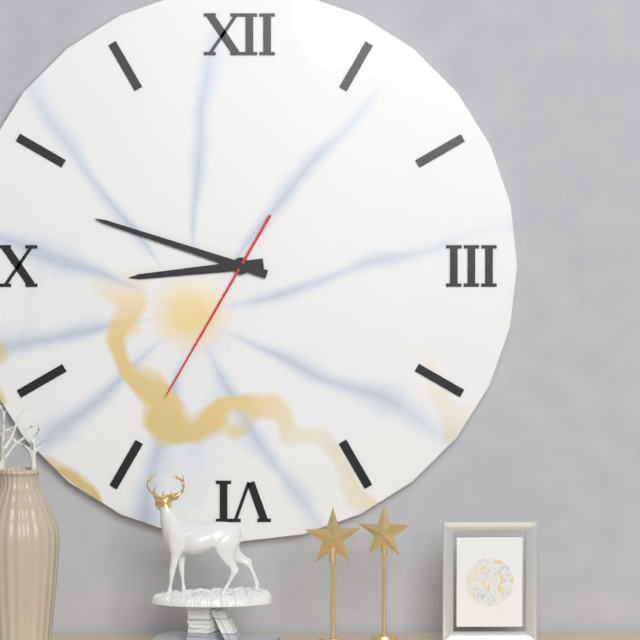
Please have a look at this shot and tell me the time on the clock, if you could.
8:48:35
